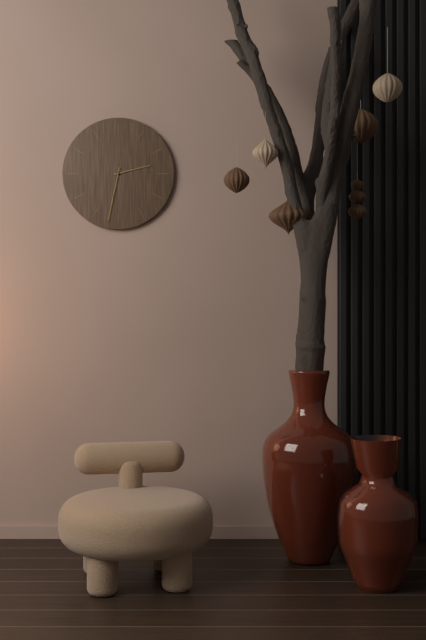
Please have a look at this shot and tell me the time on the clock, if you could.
2:32
